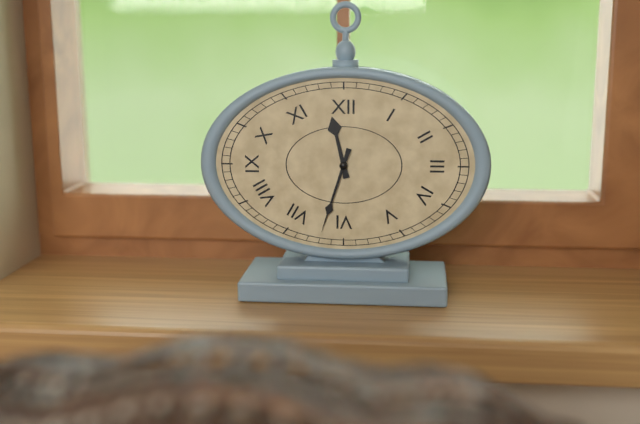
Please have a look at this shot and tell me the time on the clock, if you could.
11:33
